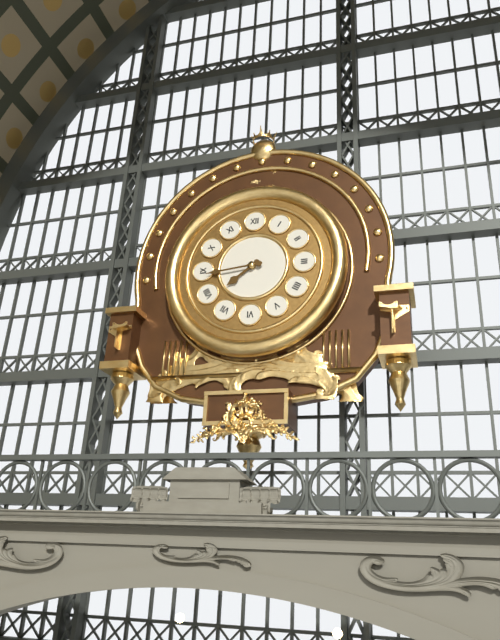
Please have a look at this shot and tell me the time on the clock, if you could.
7:44
